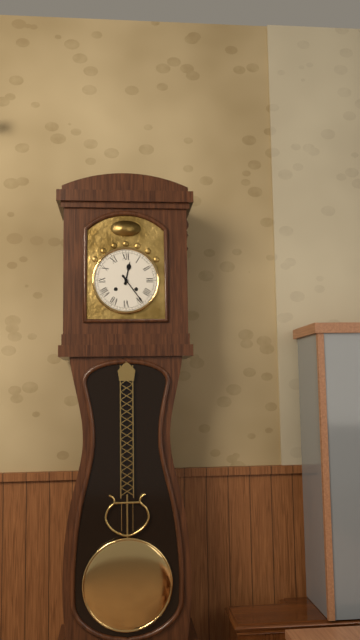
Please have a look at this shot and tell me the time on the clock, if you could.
12:24
